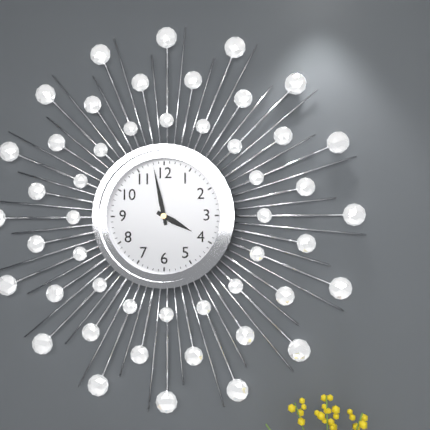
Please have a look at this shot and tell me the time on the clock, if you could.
3:58
